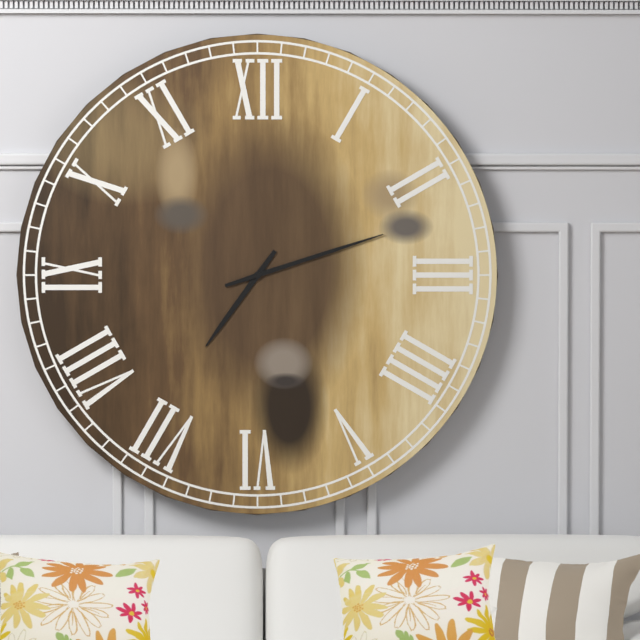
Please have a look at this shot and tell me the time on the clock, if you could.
7:12
